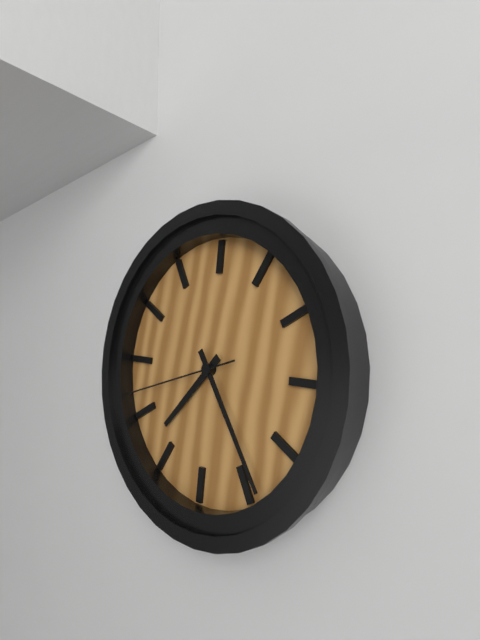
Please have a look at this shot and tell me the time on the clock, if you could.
7:24:42
